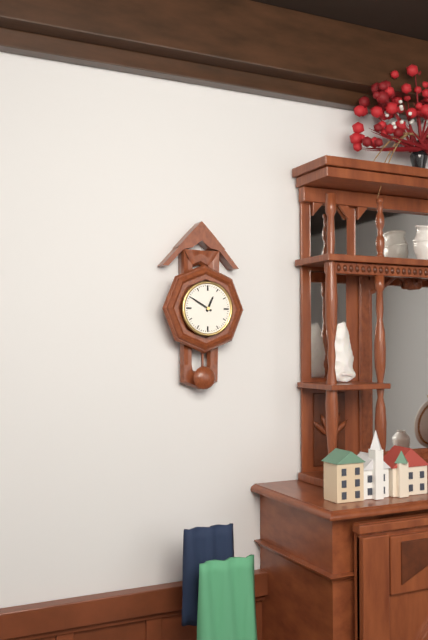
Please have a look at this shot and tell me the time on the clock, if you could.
12:50
